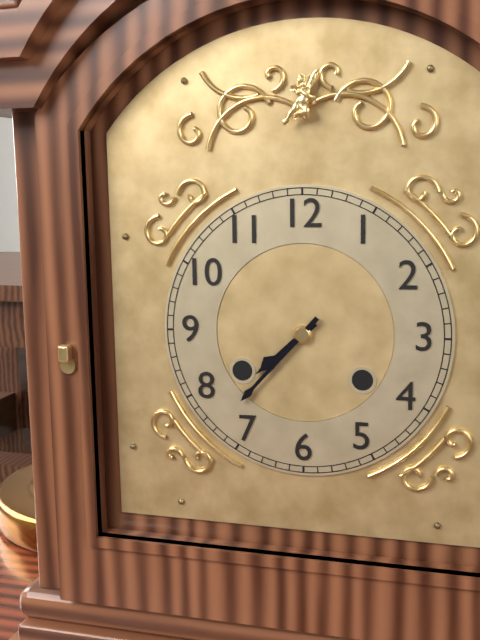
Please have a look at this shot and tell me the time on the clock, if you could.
7:37
